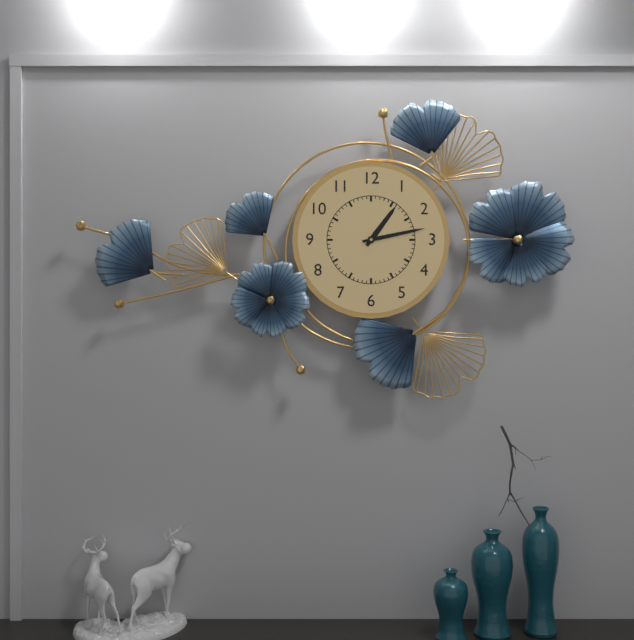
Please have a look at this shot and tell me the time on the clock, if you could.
1:13
